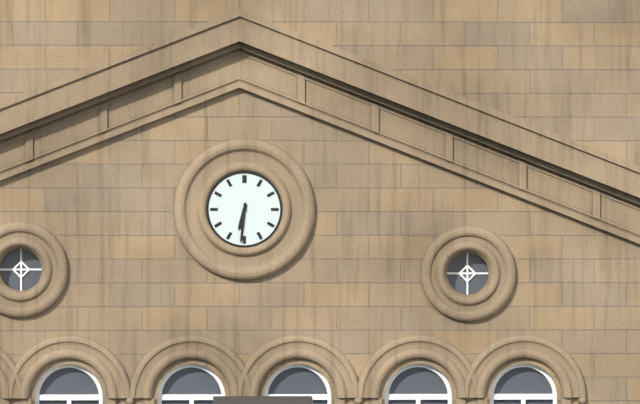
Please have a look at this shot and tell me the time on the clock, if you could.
6:31
